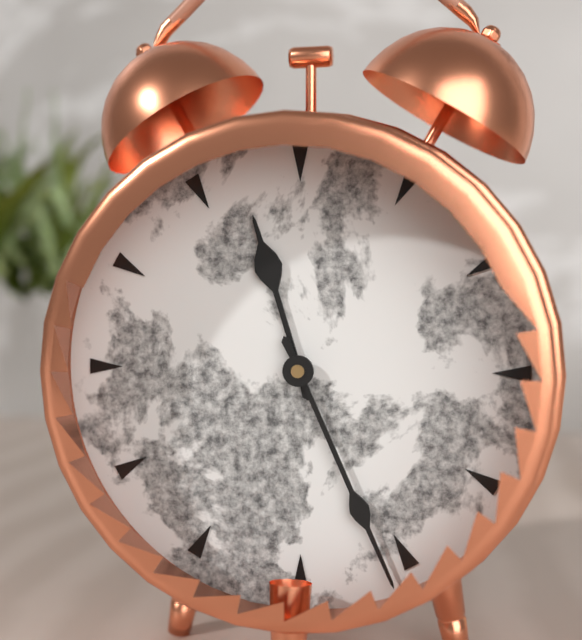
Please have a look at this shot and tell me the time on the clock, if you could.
11:26
